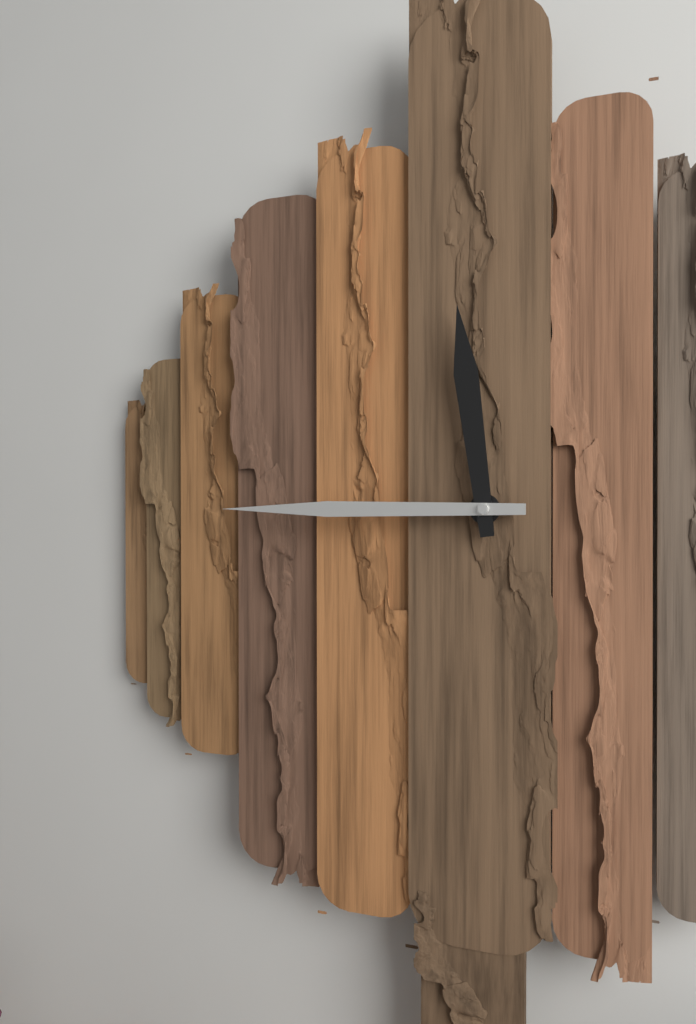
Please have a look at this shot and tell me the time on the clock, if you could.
11:45
